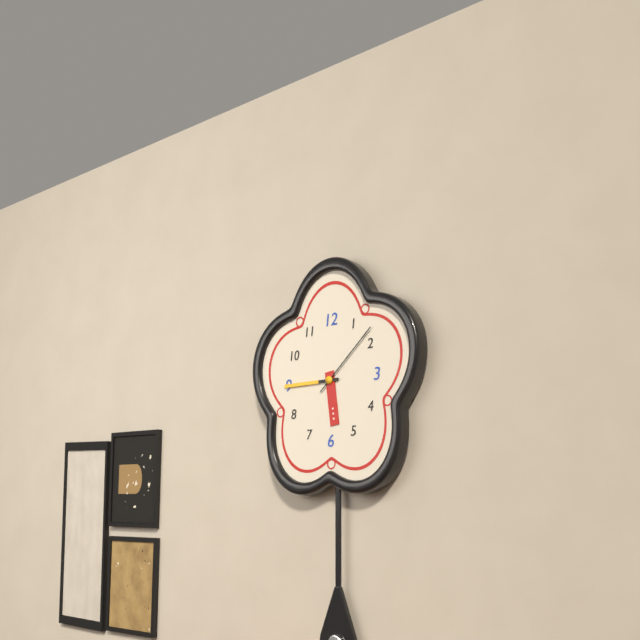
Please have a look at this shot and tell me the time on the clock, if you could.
5:45:08
